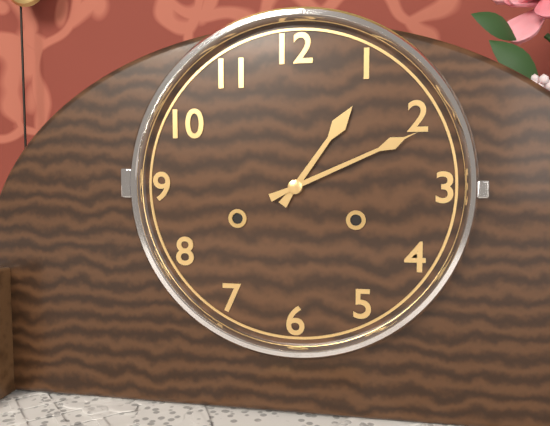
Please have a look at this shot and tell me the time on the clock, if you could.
1:11
